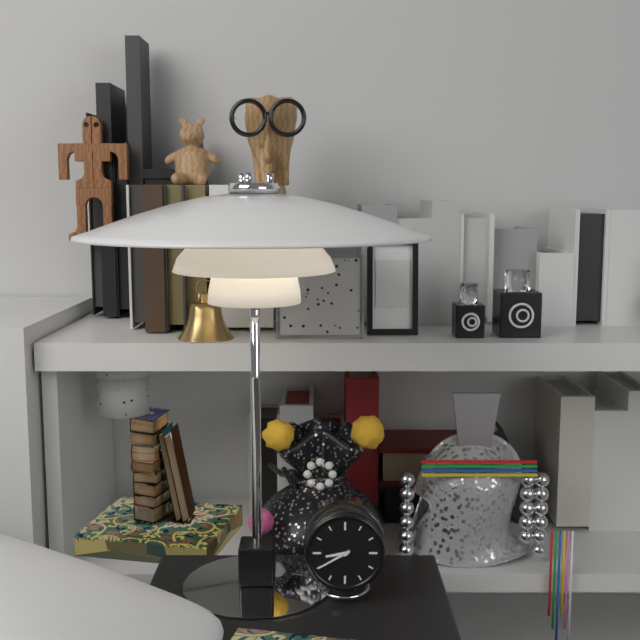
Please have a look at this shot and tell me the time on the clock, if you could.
8:40
